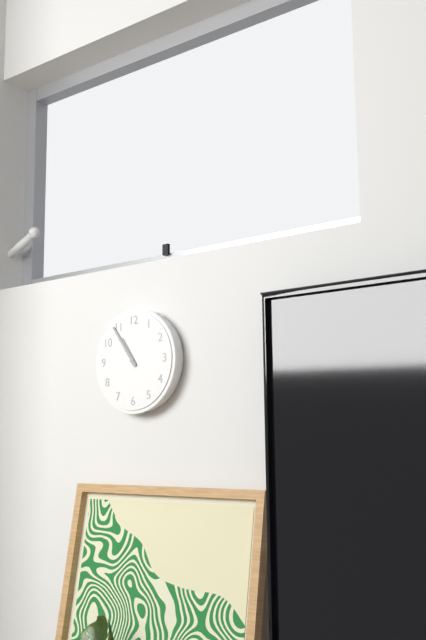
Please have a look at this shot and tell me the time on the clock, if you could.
10:54
